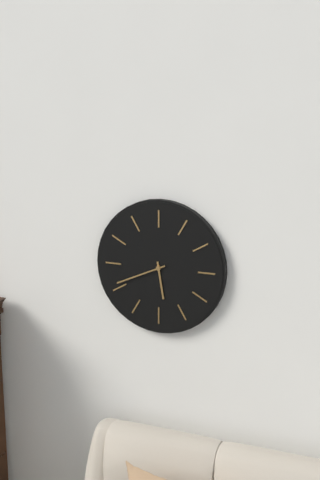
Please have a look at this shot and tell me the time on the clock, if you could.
5:41
